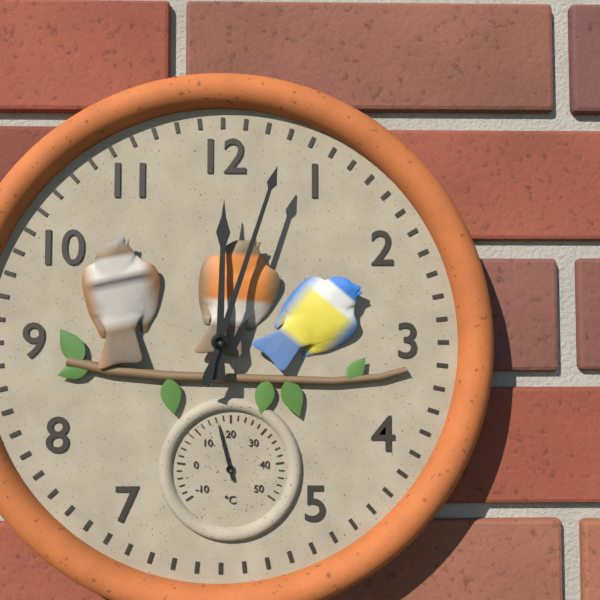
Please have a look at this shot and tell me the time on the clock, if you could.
12:03
